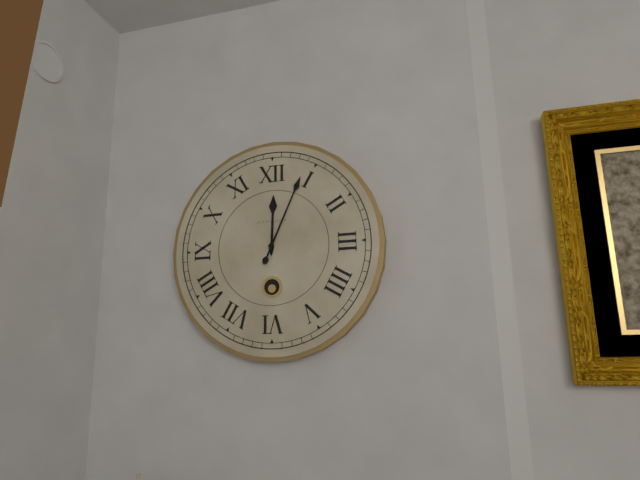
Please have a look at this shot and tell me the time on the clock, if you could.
12:04
